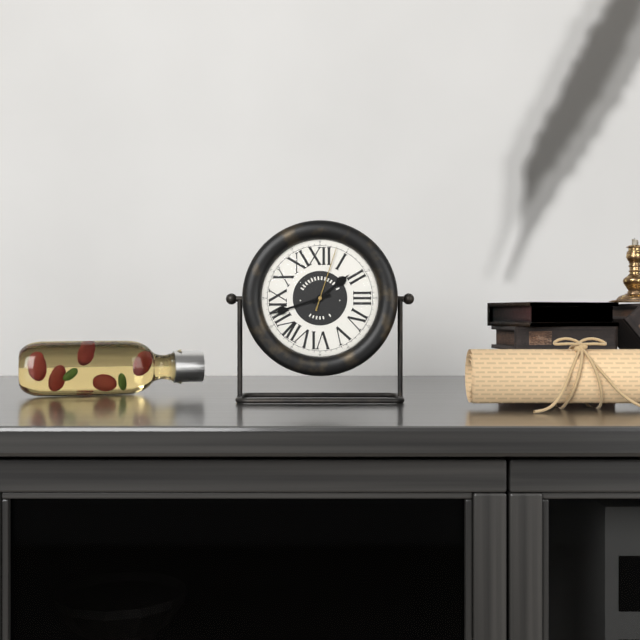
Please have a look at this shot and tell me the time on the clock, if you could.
1:42:03
